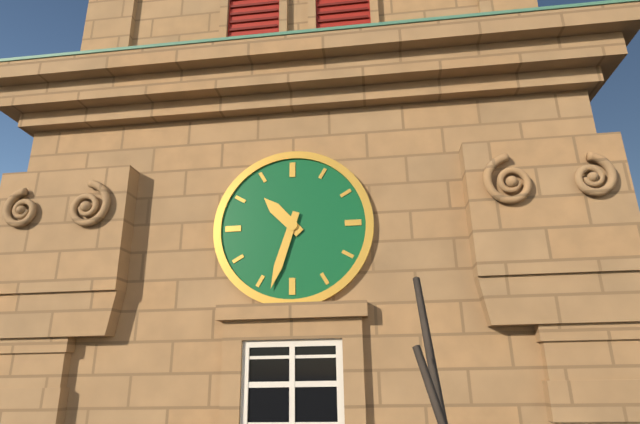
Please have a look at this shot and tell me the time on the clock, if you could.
10:33
